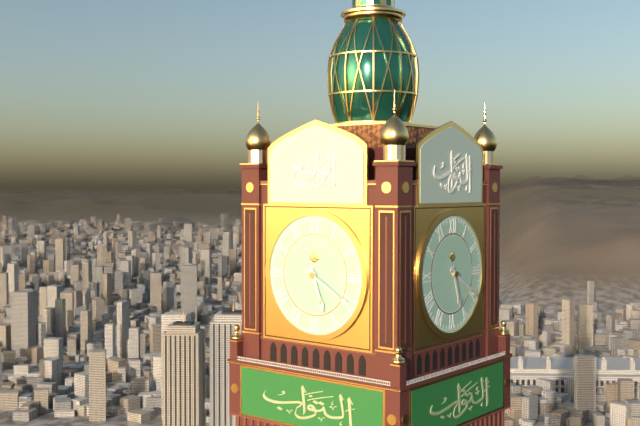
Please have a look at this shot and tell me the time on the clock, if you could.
5:20
